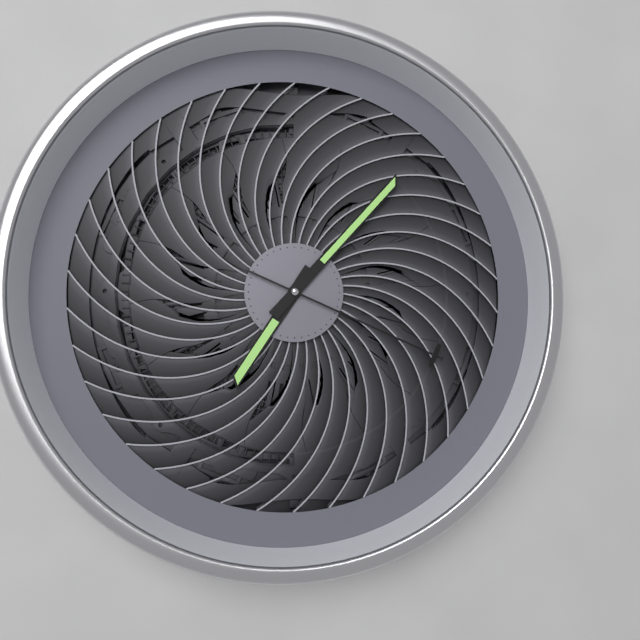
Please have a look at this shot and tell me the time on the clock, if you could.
7:07:19
